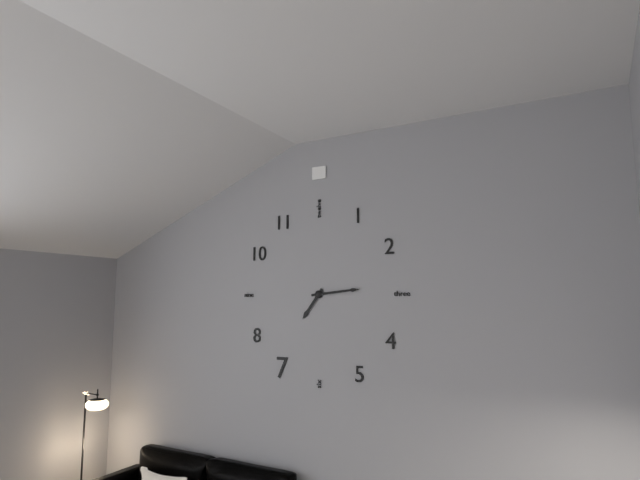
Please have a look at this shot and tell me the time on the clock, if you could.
7:14
